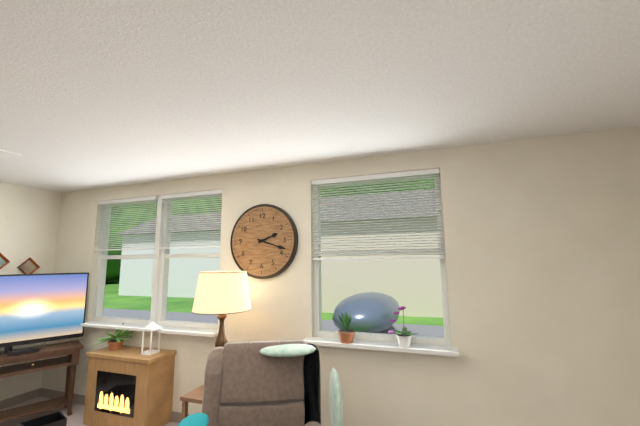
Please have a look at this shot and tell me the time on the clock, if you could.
2:18
